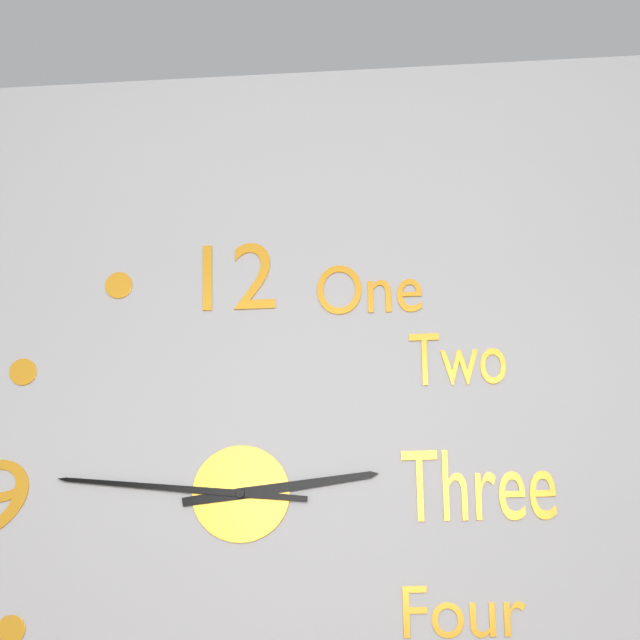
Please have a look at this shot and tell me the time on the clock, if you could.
2:46
